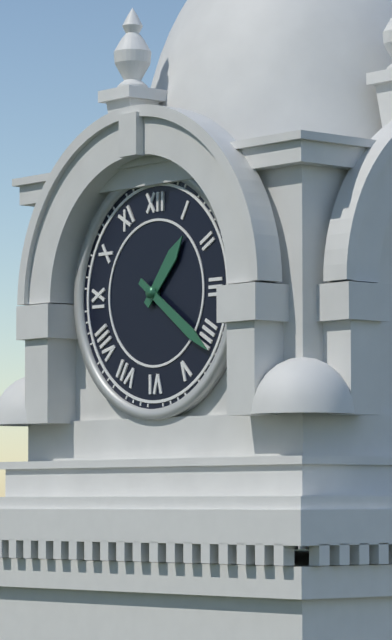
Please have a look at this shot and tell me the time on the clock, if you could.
1:21
